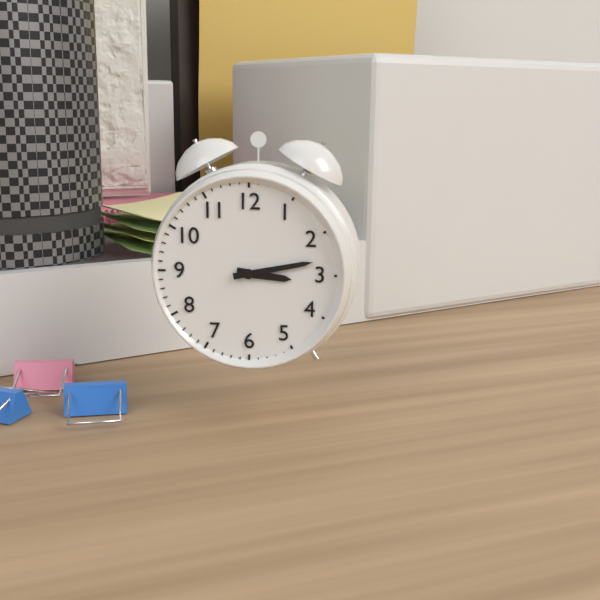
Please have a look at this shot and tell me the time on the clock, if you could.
3:13
